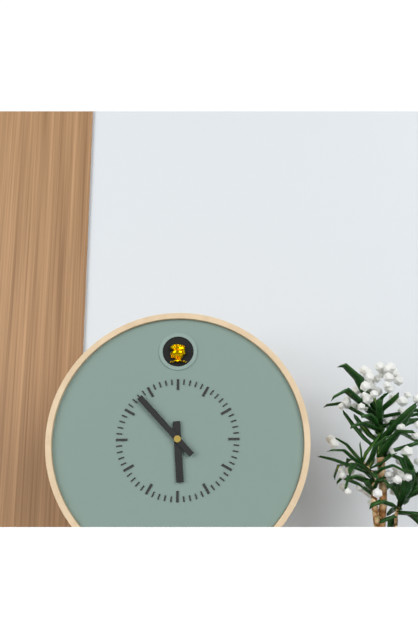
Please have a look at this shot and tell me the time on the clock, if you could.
5:53
